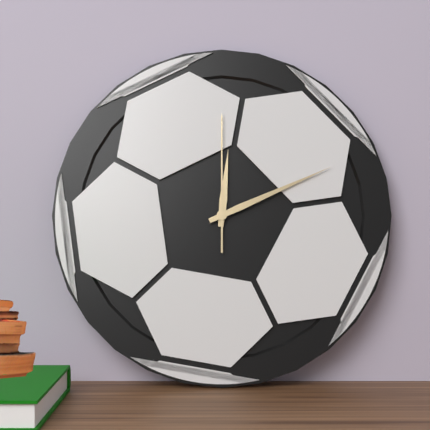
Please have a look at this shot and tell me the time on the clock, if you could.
12:11:00
